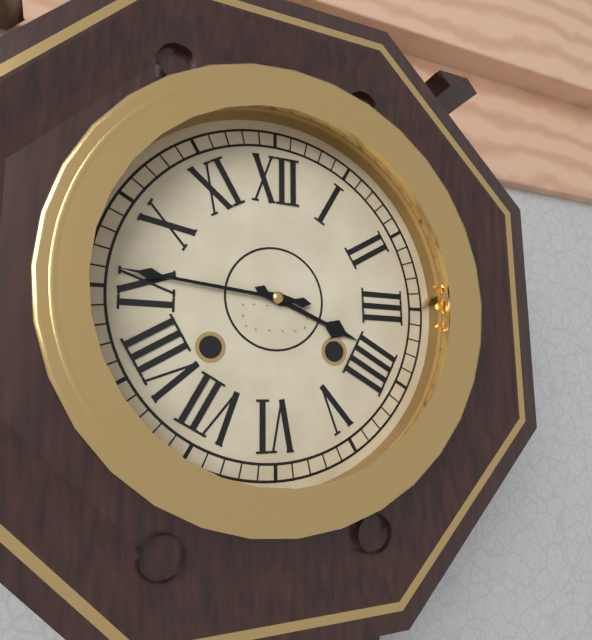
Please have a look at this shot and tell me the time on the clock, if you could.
3:46
